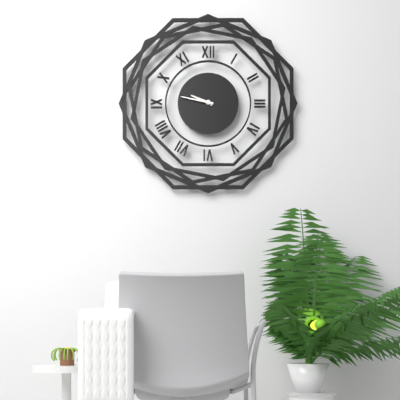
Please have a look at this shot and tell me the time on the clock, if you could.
9:47
